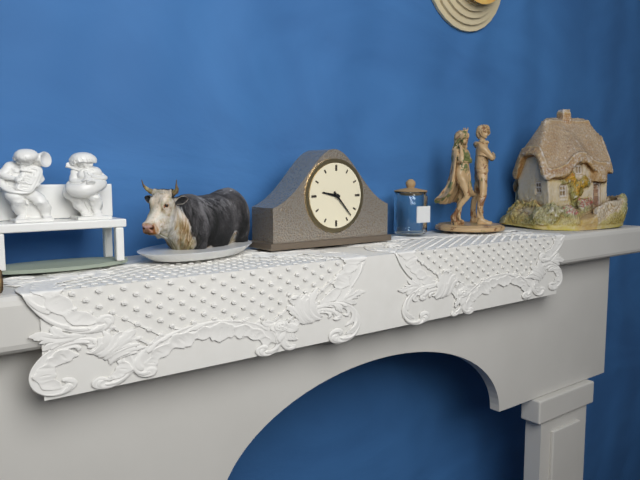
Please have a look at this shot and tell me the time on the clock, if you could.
9:23
